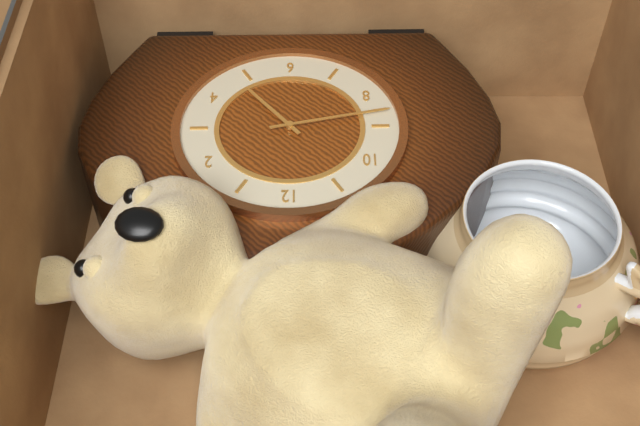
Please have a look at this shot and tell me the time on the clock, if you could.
4:43
